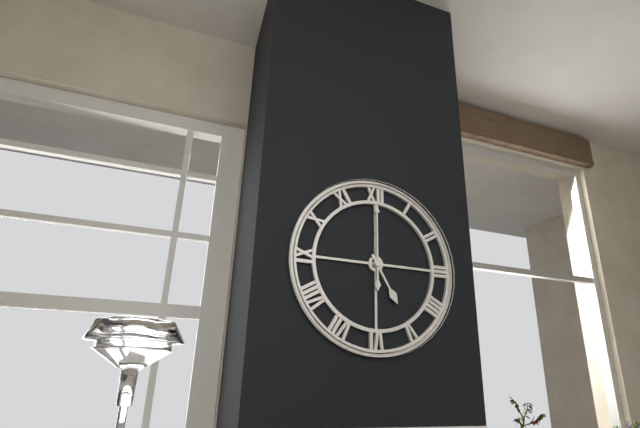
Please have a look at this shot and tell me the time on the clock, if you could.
5:00
